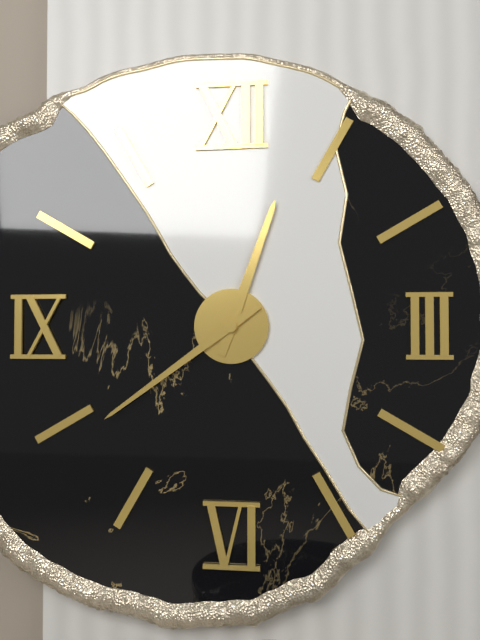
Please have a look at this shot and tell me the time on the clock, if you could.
12:39
